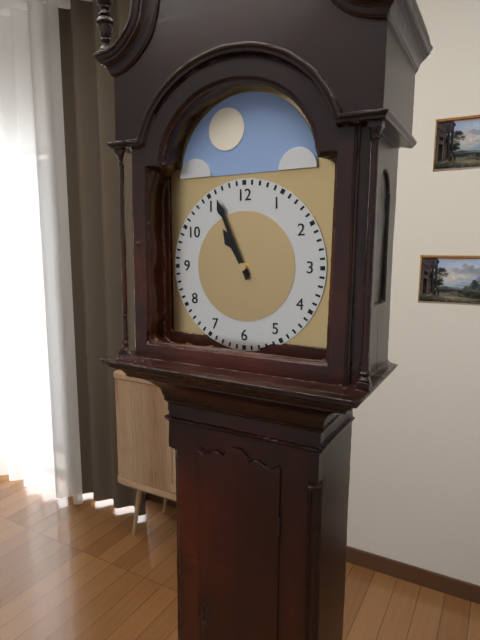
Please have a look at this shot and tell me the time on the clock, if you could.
10:56
